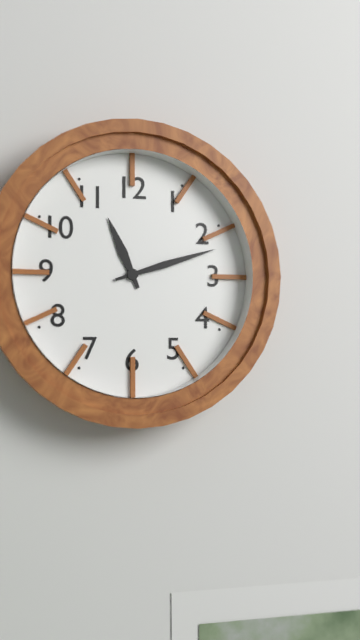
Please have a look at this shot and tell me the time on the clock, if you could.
11:12
